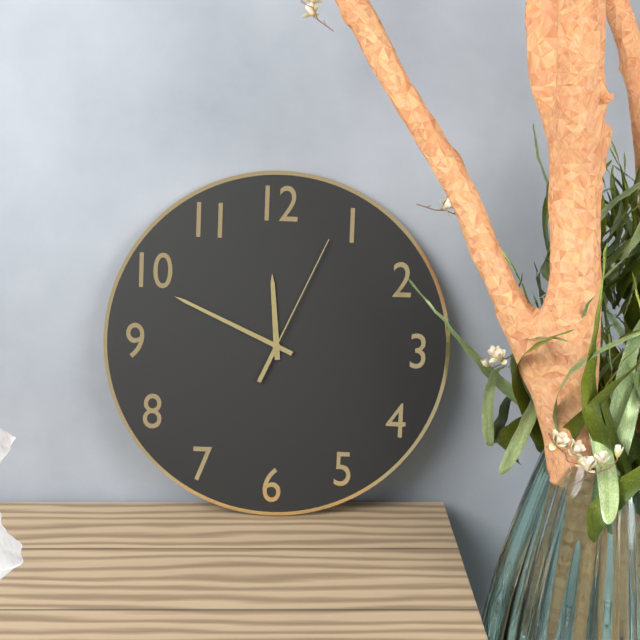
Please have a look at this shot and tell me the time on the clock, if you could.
11:49:04
